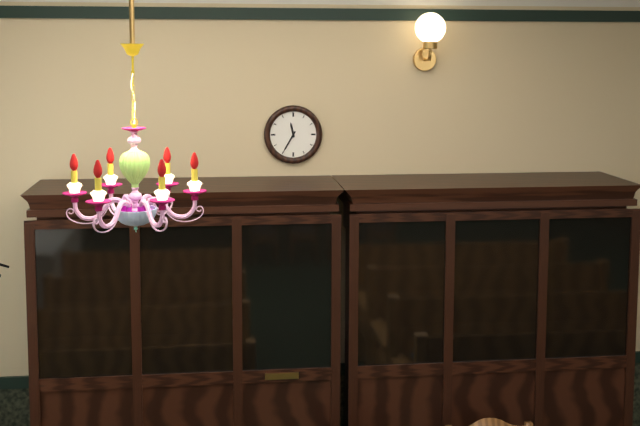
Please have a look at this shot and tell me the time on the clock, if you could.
11:35
